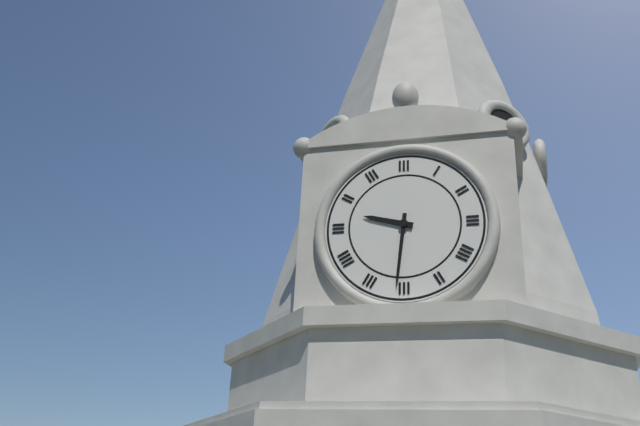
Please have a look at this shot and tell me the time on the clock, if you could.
9:31
